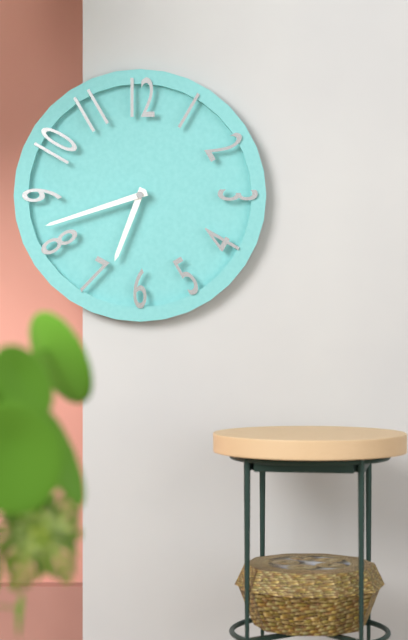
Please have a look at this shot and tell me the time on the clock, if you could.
6:42
